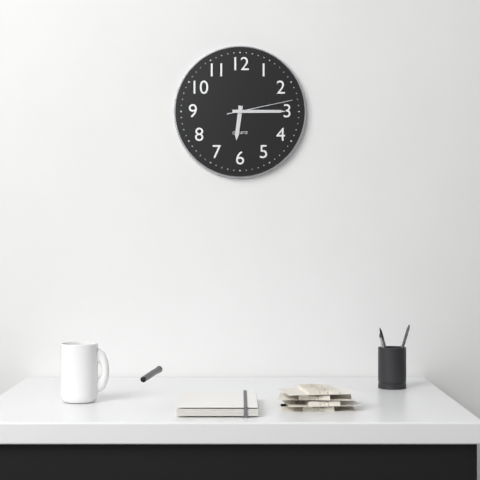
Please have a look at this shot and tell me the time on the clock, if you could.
6:15:13
